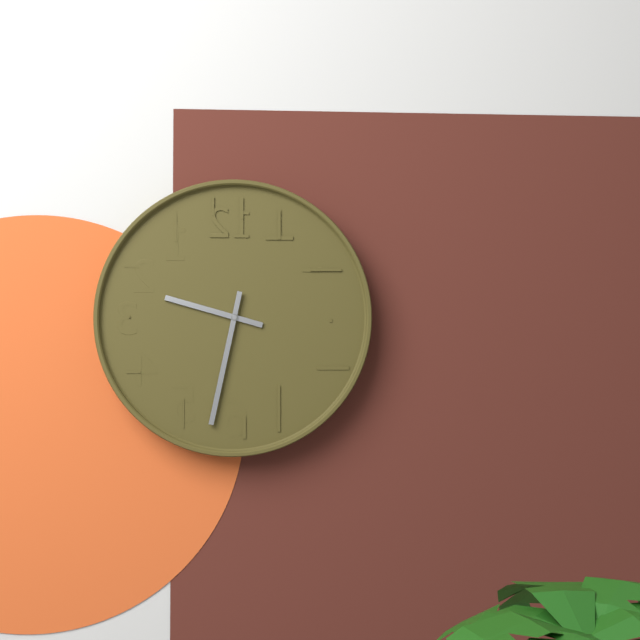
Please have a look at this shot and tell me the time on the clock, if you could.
9:32
